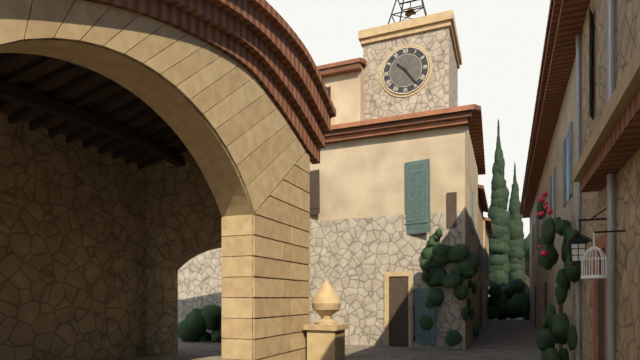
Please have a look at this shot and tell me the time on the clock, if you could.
10:24
